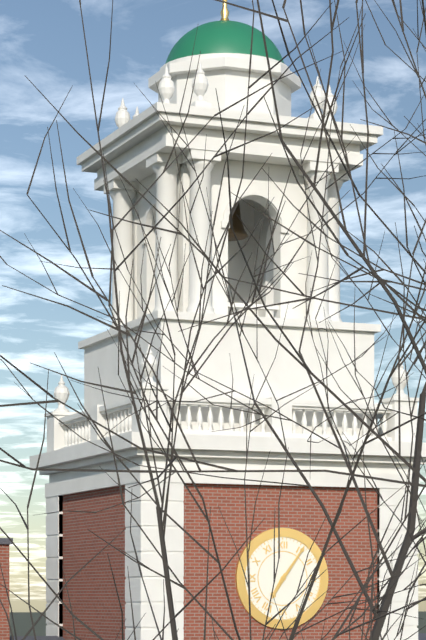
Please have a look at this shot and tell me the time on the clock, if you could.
7:06
